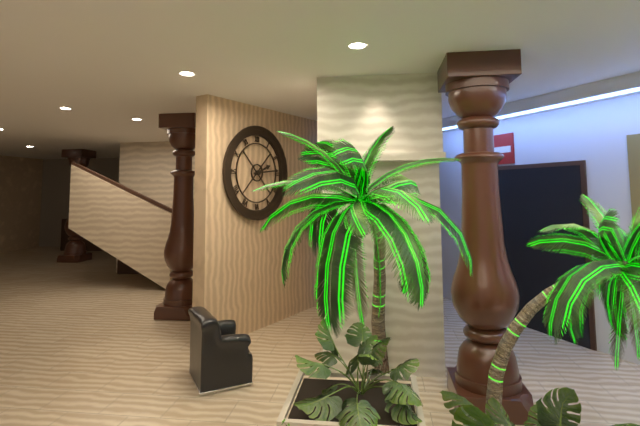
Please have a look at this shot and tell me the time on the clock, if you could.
2:14
